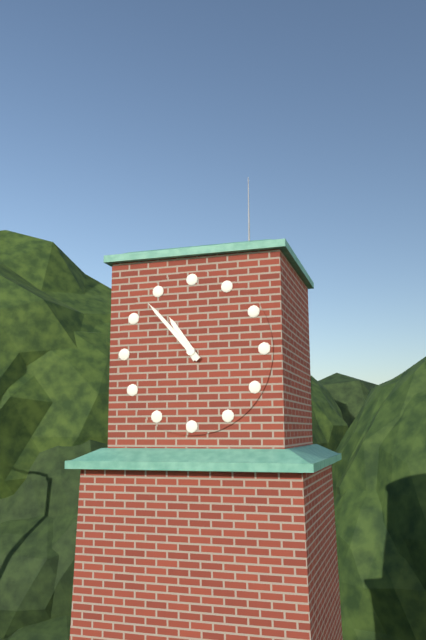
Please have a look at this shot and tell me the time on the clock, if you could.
10:53
